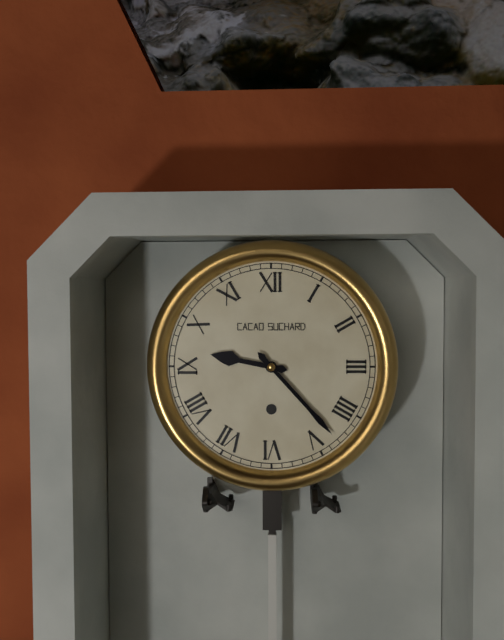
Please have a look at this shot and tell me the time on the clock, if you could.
9:23
